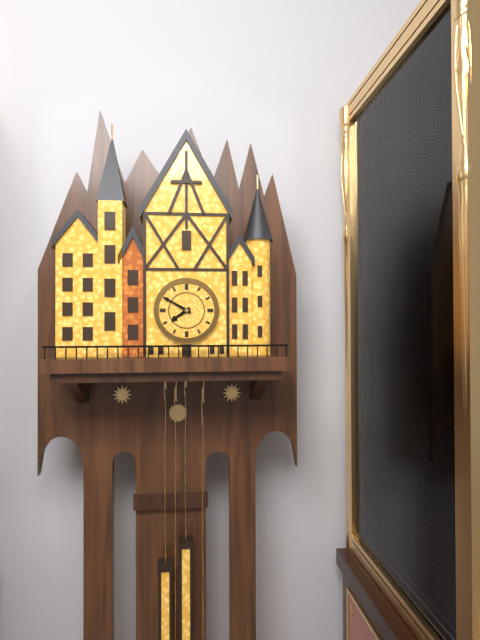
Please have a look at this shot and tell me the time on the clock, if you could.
7:50
